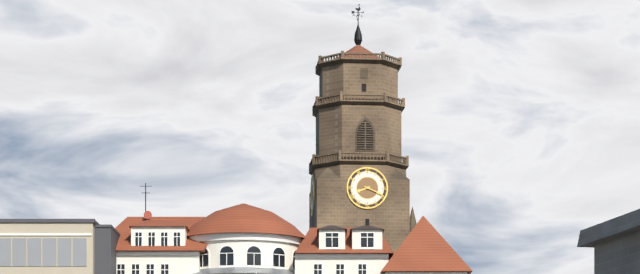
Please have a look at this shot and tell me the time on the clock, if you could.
8:19
